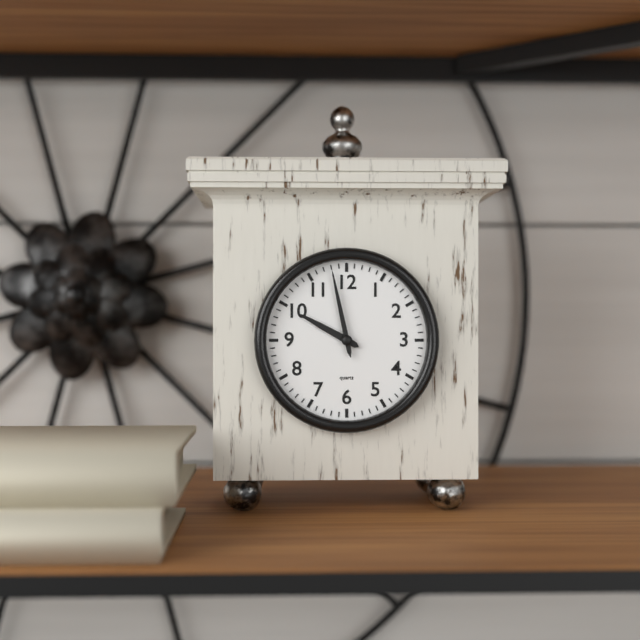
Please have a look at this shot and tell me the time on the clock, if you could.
9:58
